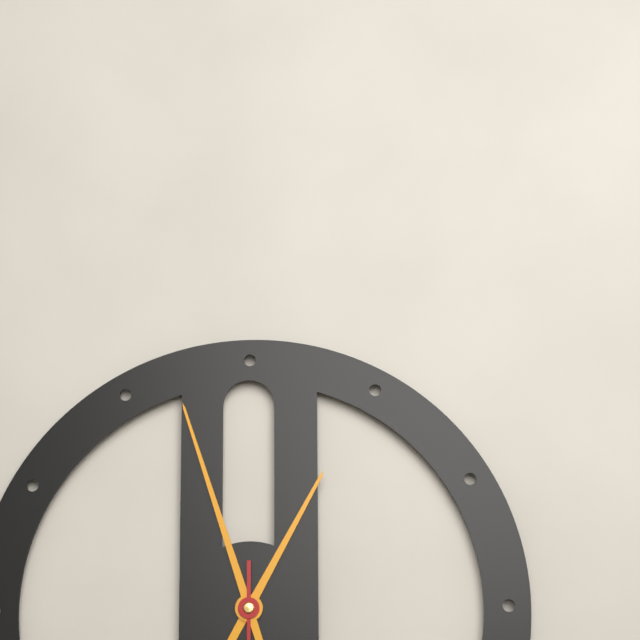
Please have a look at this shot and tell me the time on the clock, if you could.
12:57
